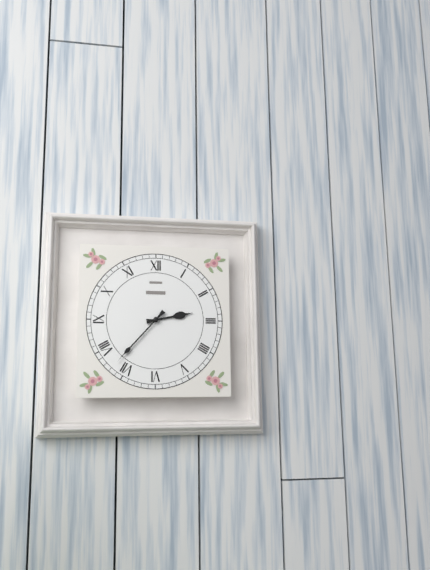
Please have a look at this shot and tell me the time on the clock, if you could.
2:37
